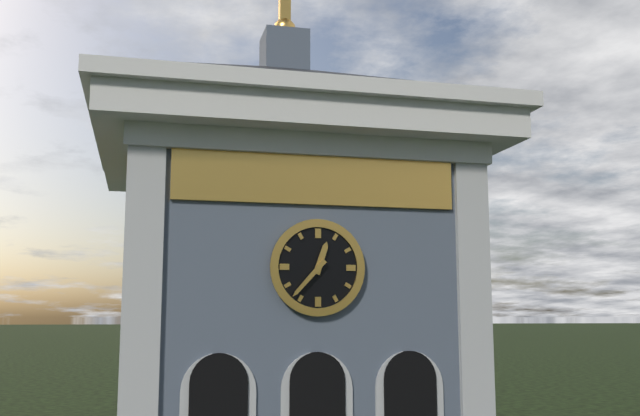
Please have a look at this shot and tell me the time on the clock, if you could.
12:37
